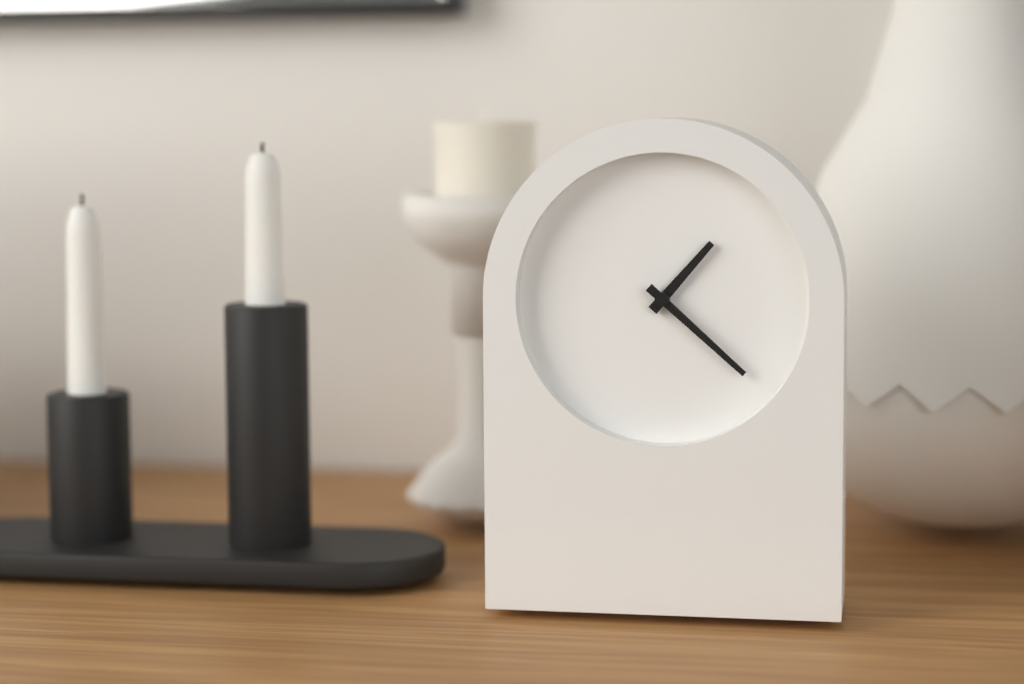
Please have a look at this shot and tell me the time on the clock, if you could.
1:22
